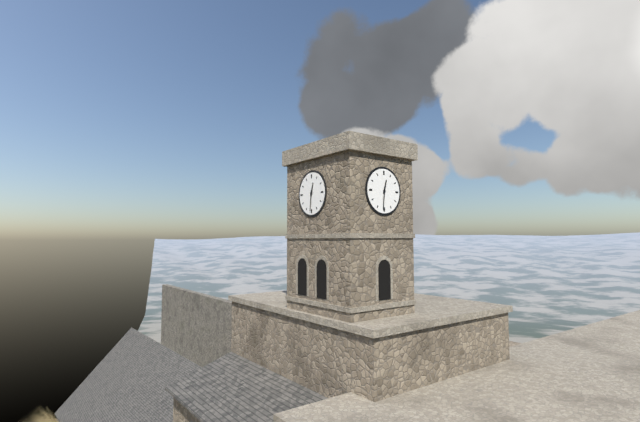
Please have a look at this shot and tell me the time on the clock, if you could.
12:31
